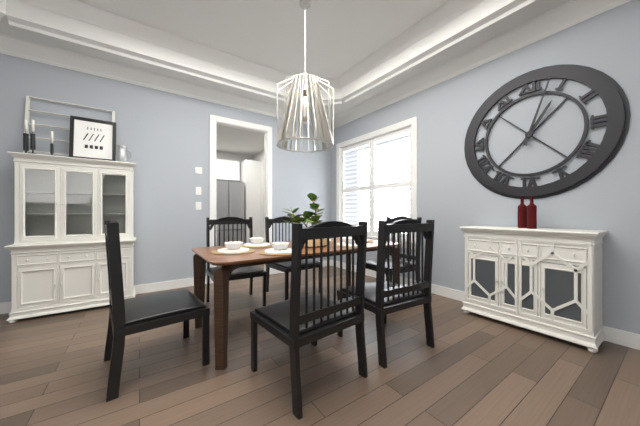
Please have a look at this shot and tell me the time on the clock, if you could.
1:03
